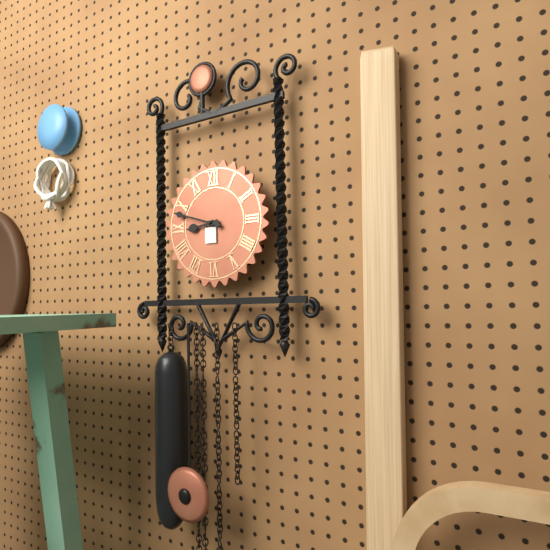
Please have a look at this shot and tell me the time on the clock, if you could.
8:48
